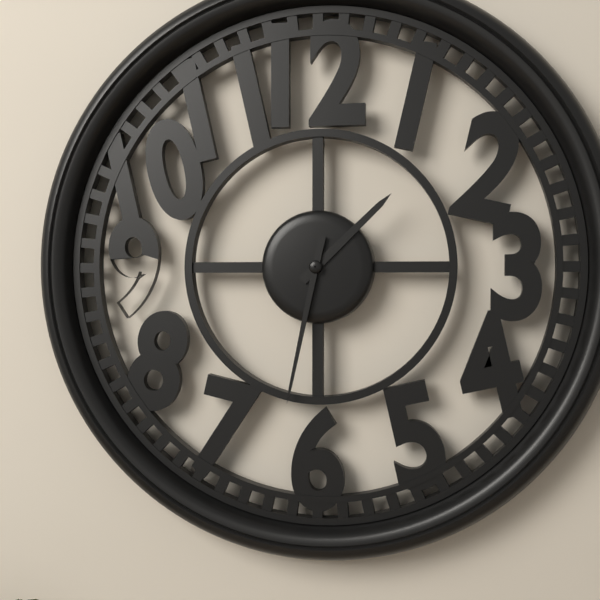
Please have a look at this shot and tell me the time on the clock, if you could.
1:32
